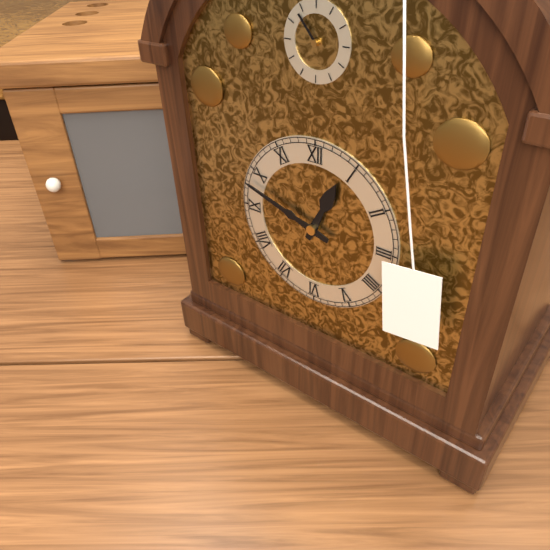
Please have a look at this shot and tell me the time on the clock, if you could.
12:48
